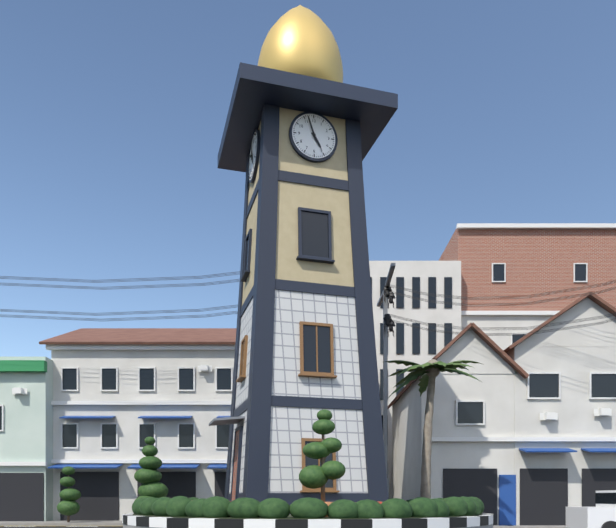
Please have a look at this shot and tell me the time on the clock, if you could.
4:57
